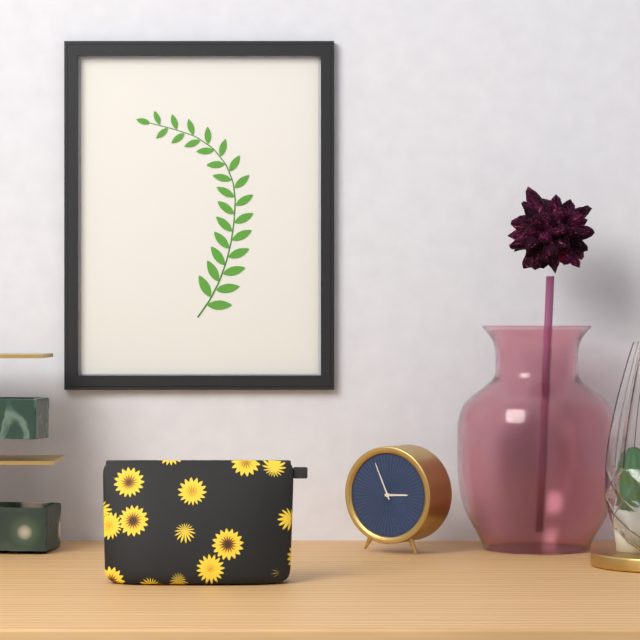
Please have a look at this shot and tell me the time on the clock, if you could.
2:56
